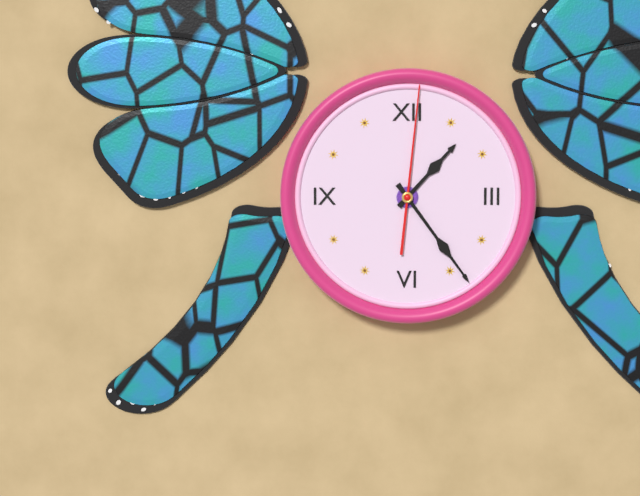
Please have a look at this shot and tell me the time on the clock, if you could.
1:24:01
